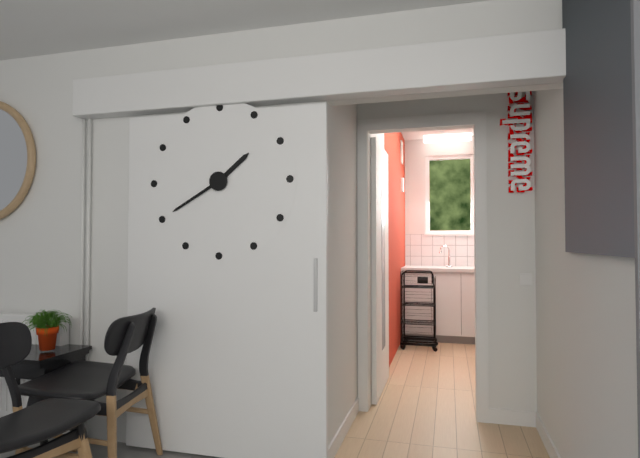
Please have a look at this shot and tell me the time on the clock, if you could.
1:40
